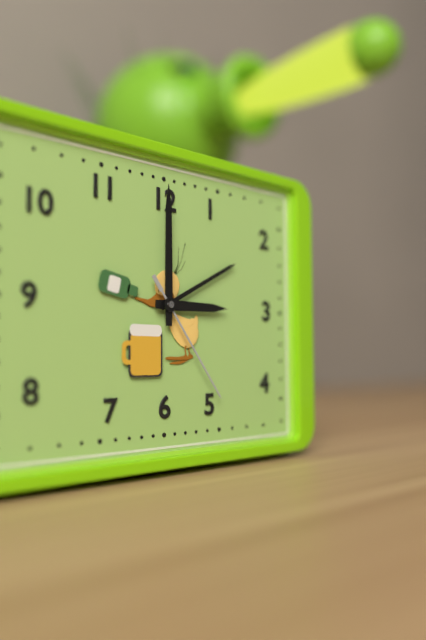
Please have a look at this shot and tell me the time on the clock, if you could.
3:00:24
